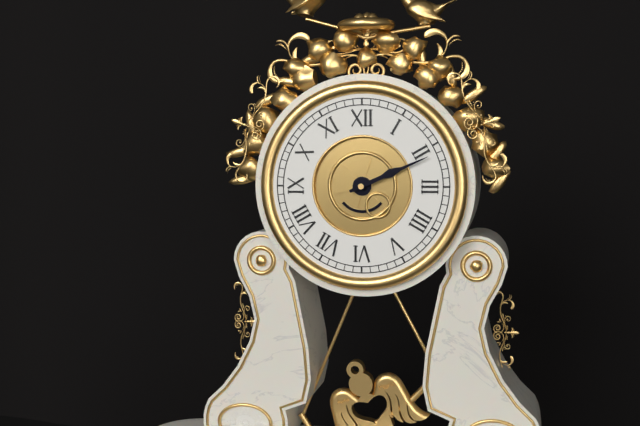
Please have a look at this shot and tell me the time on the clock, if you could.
2:11
